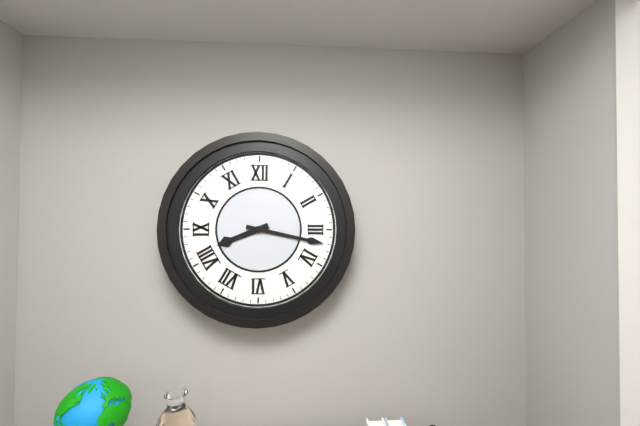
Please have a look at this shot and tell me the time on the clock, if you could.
8:17
